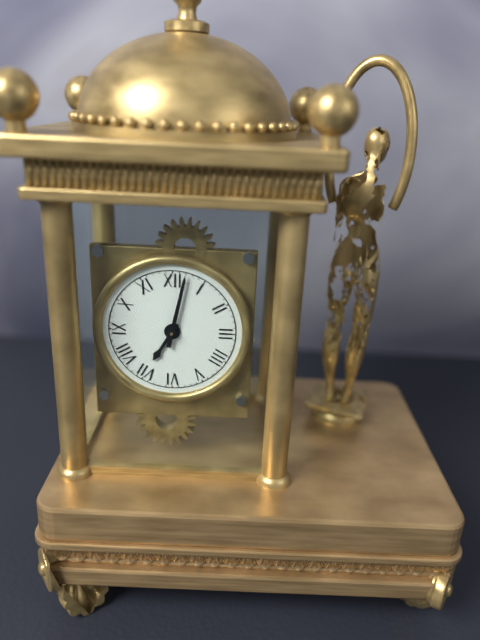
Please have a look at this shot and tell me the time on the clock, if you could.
7:02
